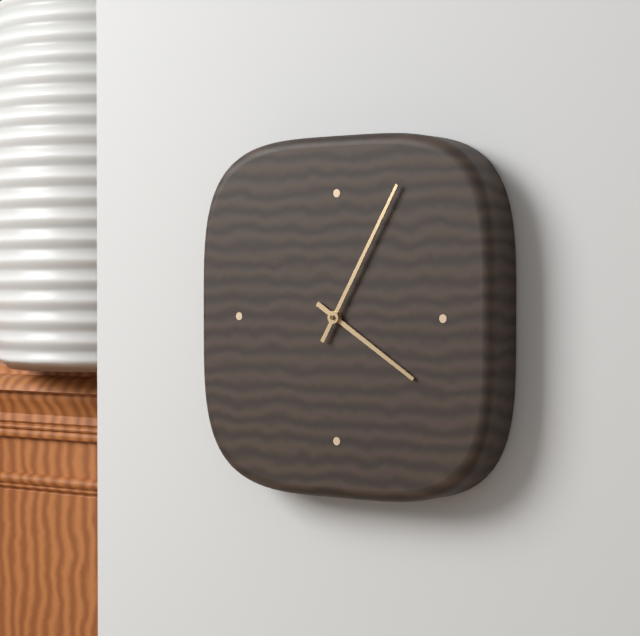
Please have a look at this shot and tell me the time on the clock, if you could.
4:05
